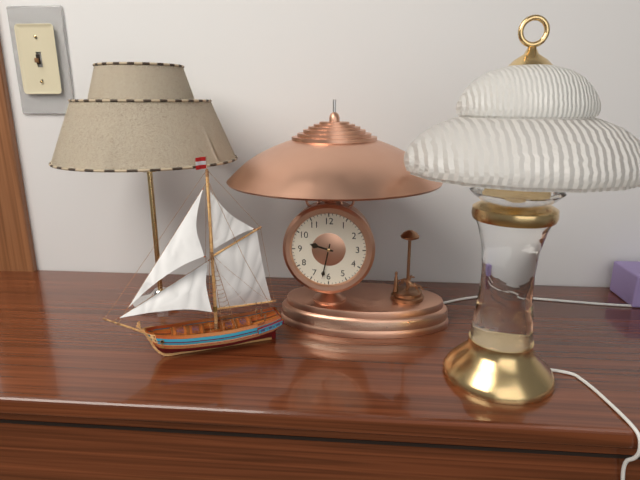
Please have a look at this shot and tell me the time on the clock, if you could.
9:32
